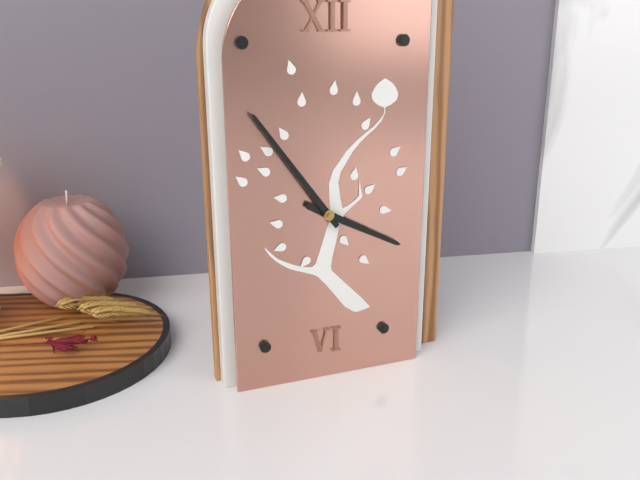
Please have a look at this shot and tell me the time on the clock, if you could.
3:54
